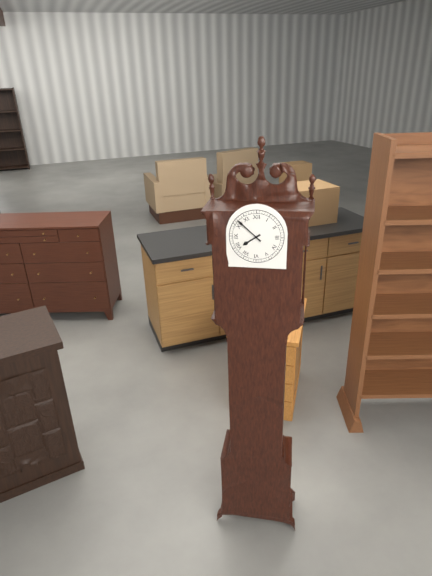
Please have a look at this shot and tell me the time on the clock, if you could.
7:52
